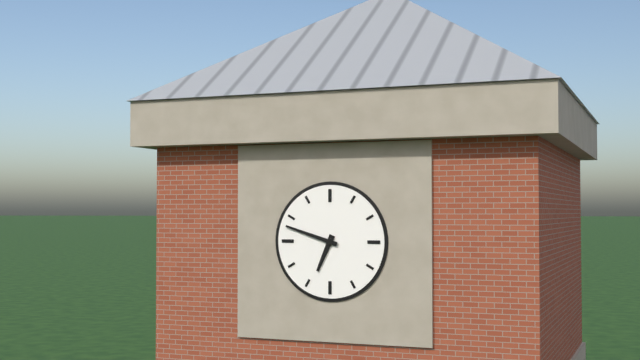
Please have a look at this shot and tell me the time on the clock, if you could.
6:48
